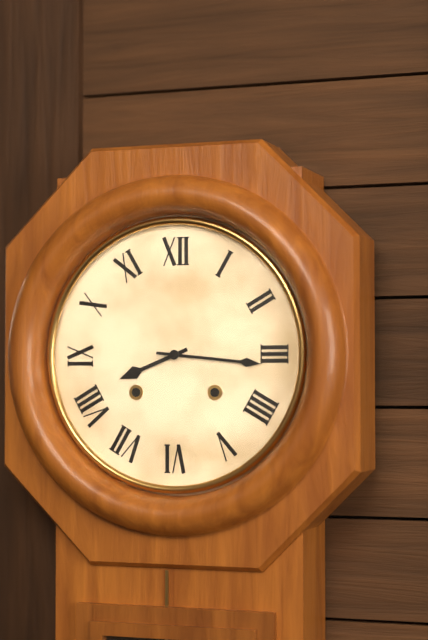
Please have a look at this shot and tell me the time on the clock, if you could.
8:16
